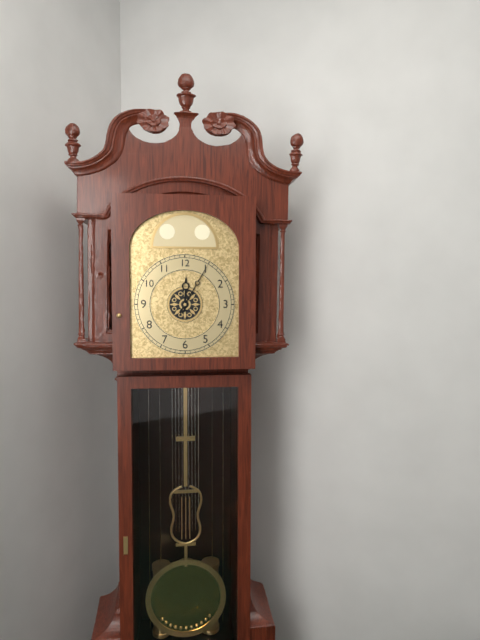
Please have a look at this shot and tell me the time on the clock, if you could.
12:05
